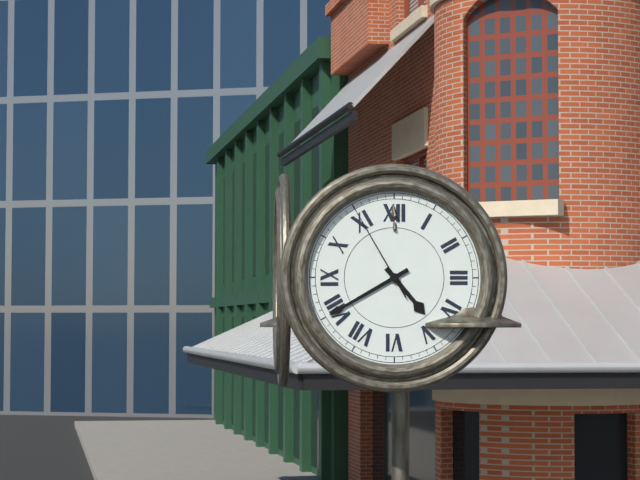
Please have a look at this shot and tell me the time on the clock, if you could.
4:40:55
